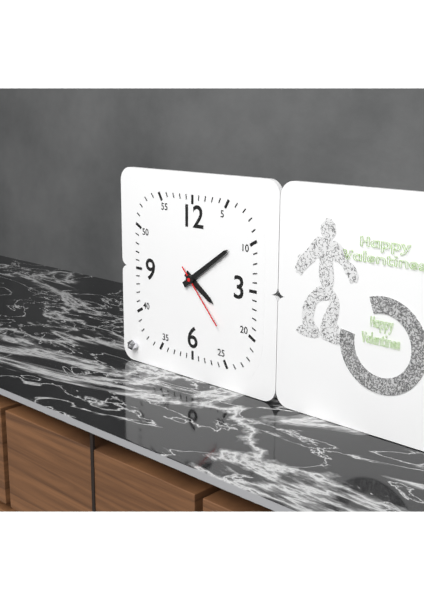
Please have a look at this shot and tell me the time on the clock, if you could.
4:09:23
